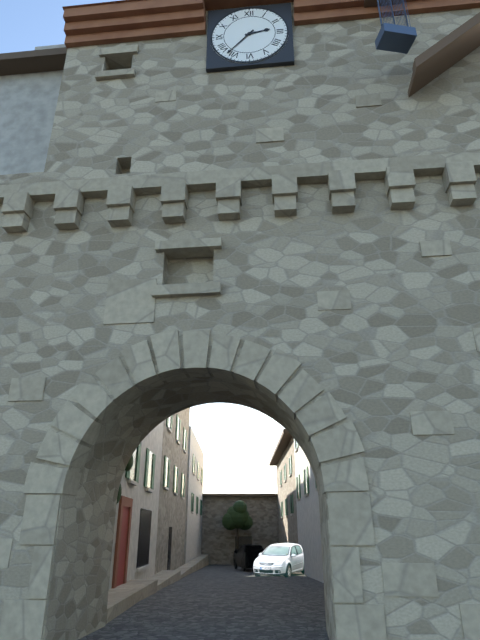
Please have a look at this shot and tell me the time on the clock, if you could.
2:37
